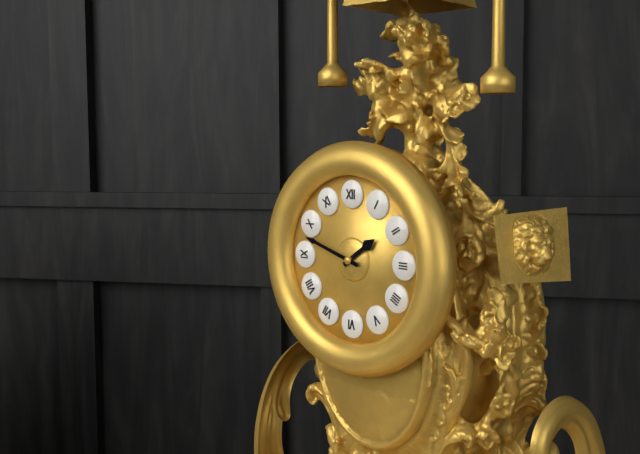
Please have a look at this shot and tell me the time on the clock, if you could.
1:48
